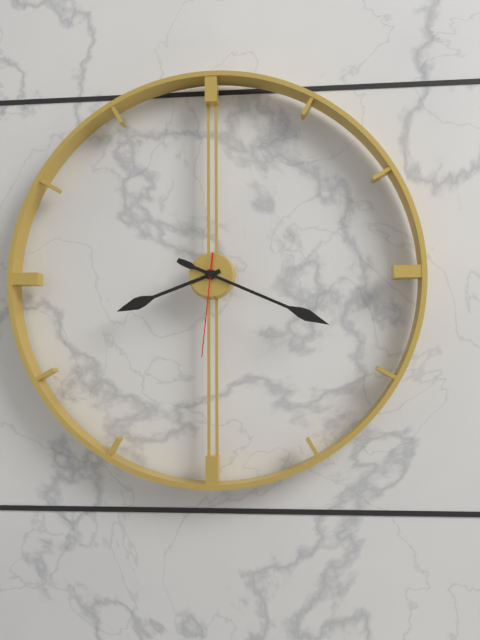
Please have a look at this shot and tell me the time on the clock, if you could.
8:19:31
